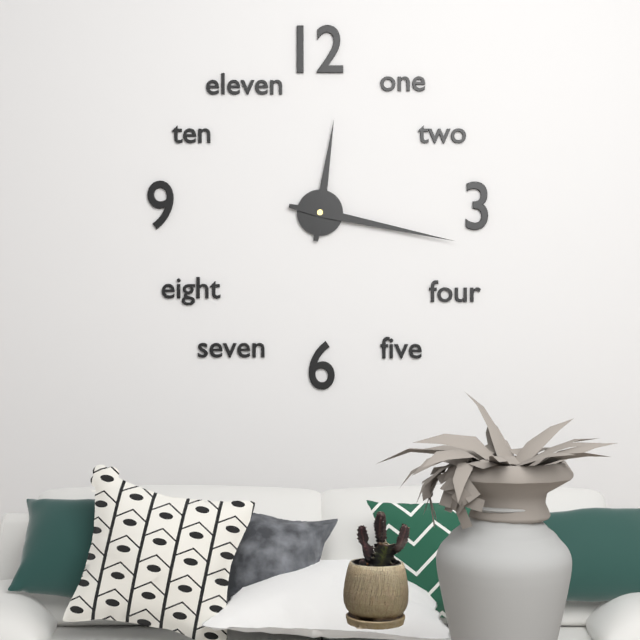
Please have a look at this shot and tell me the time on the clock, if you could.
12:17
